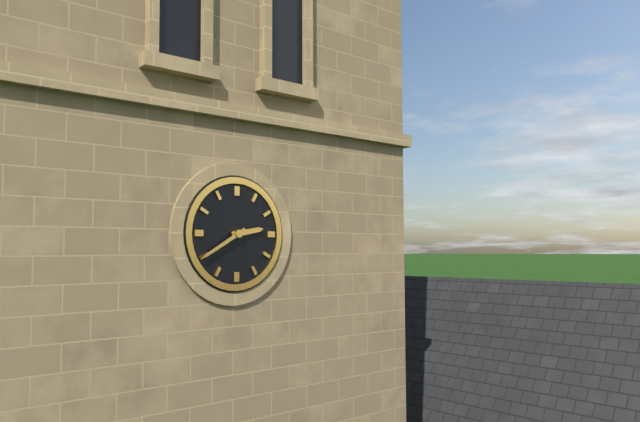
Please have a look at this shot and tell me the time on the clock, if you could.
2:40
